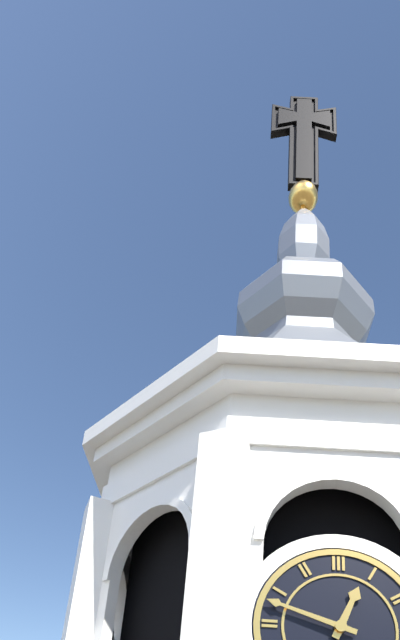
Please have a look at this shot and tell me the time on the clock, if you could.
12:48
